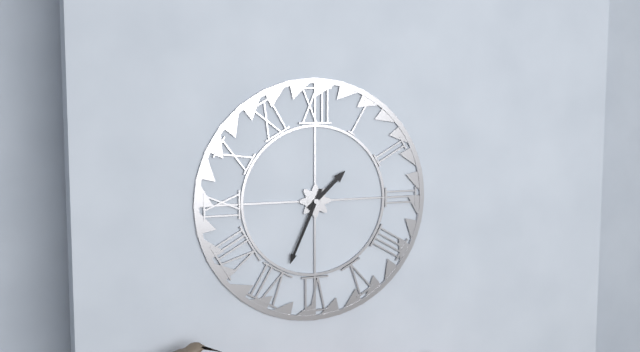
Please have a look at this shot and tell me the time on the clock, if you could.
1:34
